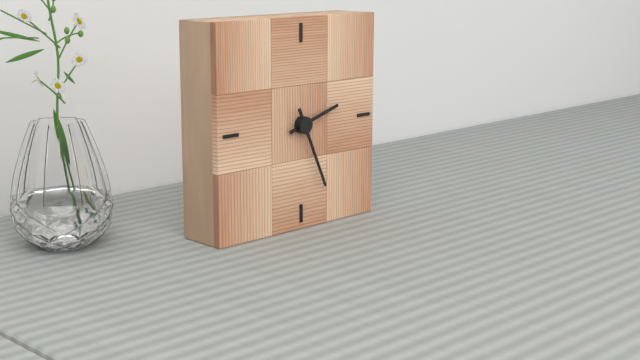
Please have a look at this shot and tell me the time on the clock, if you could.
2:26
